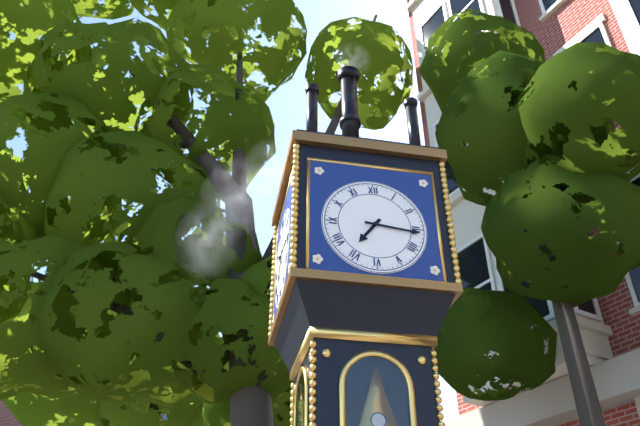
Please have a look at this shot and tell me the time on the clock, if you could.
7:16
